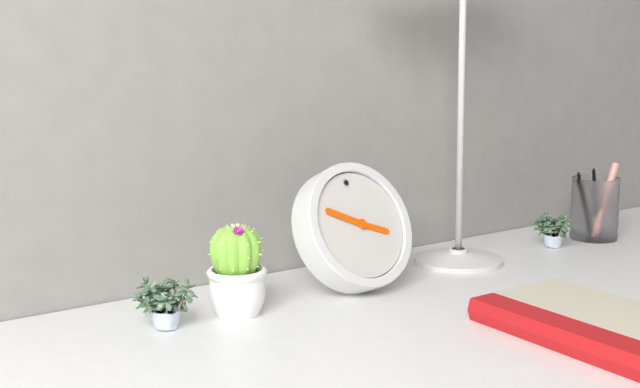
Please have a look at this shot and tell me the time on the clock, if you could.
3:50
